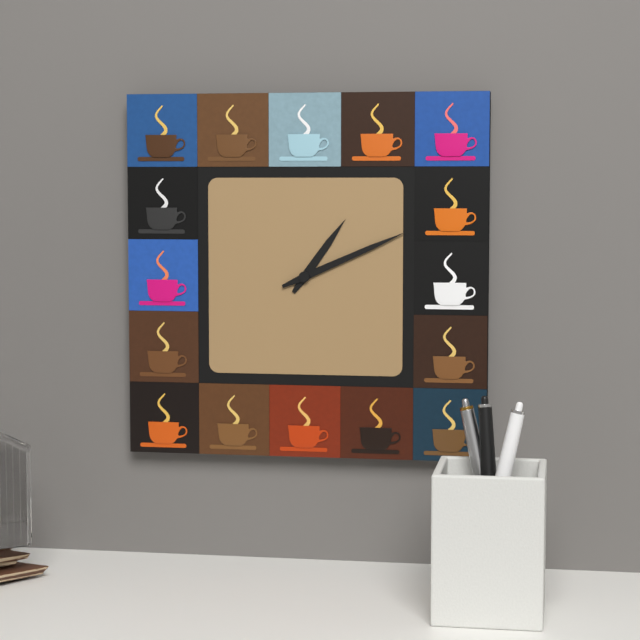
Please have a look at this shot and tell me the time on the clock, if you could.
1:11
